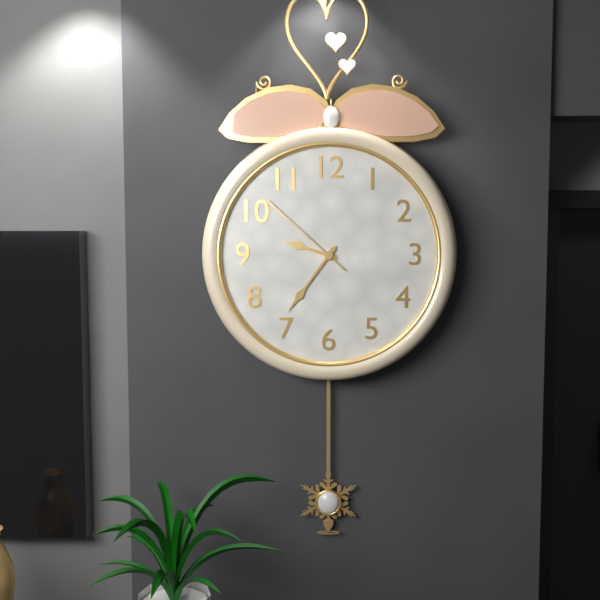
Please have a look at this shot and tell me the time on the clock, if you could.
9:36:52
